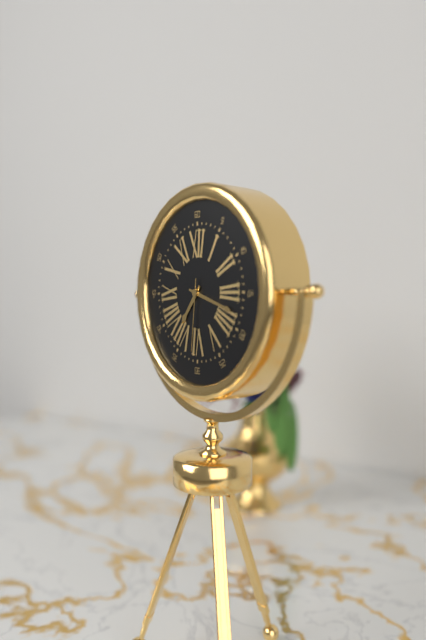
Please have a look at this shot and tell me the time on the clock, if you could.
7:18:31
